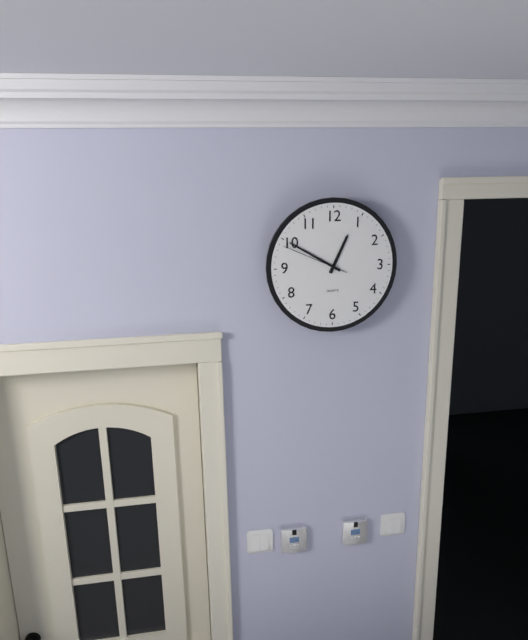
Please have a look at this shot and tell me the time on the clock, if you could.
12:50:49
